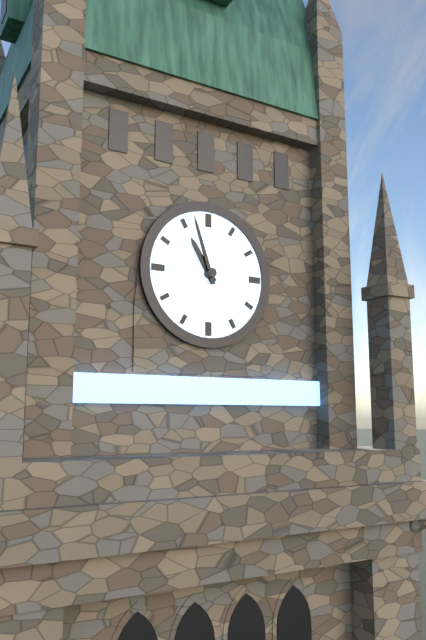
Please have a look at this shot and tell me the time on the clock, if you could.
10:57
